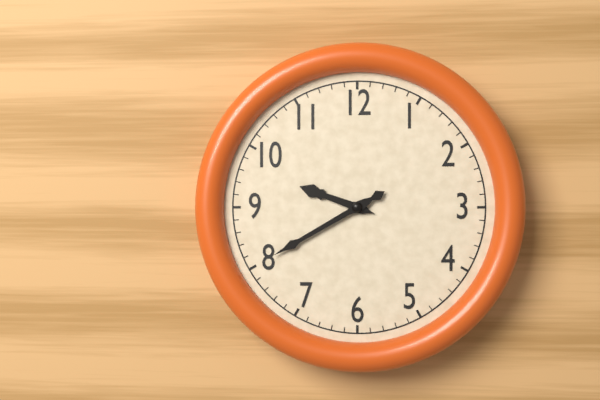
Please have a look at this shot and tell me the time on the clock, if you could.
9:40
